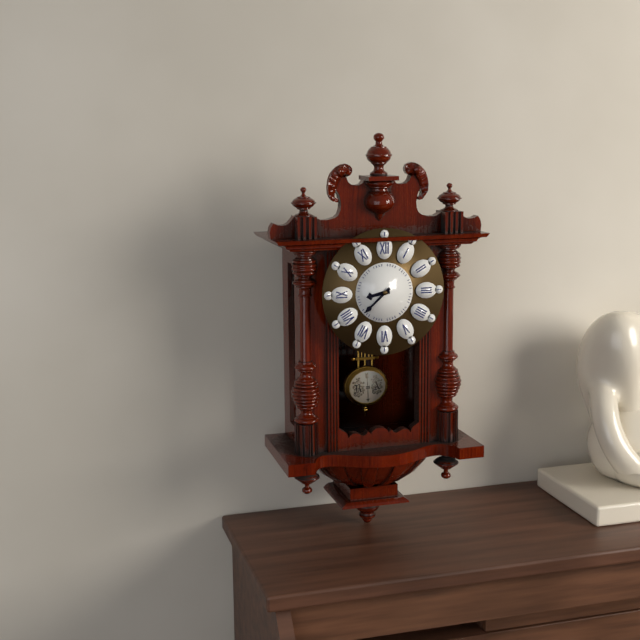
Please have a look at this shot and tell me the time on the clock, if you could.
8:38
